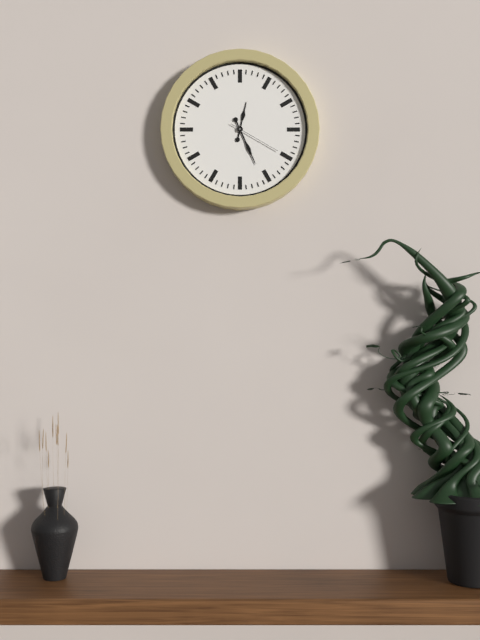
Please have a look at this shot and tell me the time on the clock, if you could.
12:26:20
